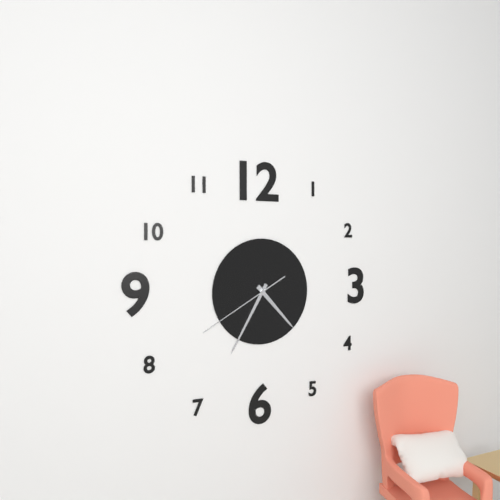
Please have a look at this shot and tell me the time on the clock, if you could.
4:35:40
